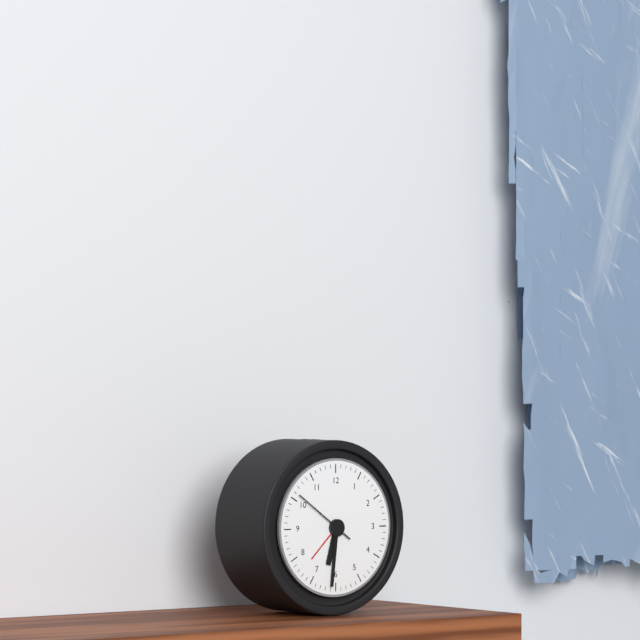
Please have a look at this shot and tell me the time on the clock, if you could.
6:31:51
